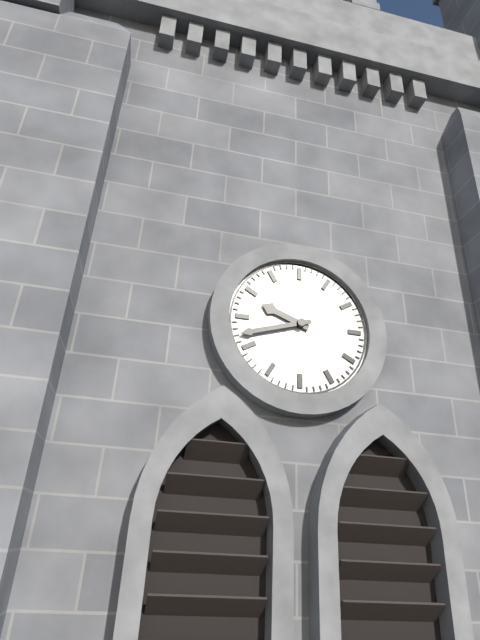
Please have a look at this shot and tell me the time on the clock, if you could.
9:42
